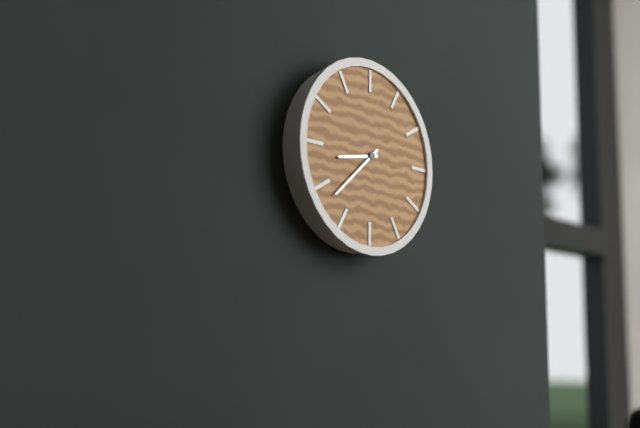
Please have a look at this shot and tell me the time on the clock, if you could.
8:38
